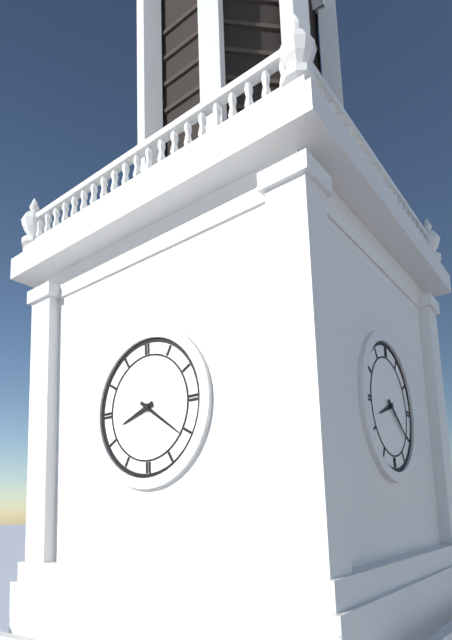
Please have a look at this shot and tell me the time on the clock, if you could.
8:21
